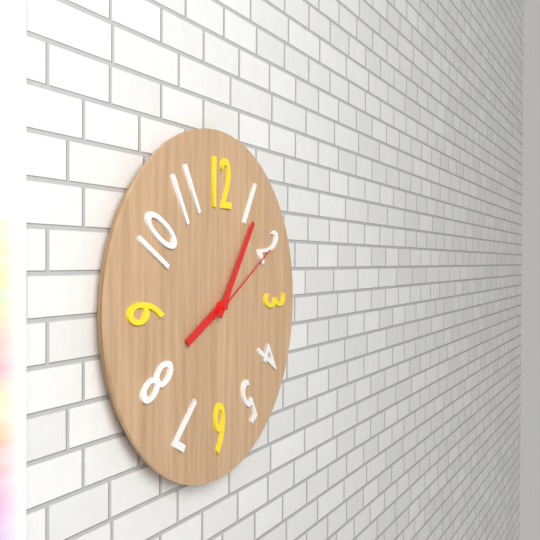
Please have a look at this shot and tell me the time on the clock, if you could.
8:06:10
